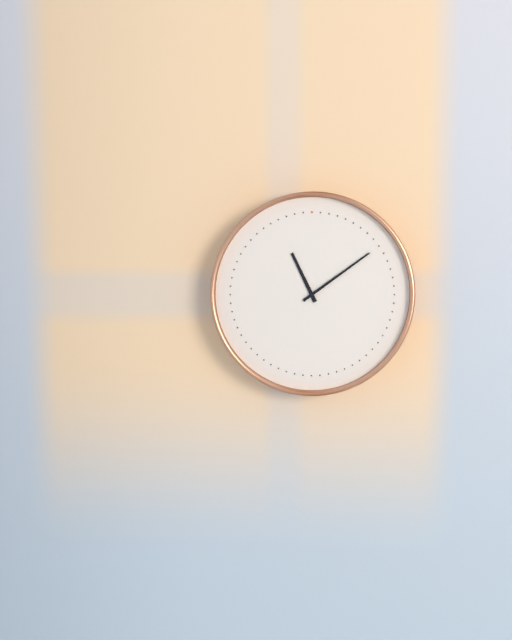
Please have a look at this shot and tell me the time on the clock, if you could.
11:09
